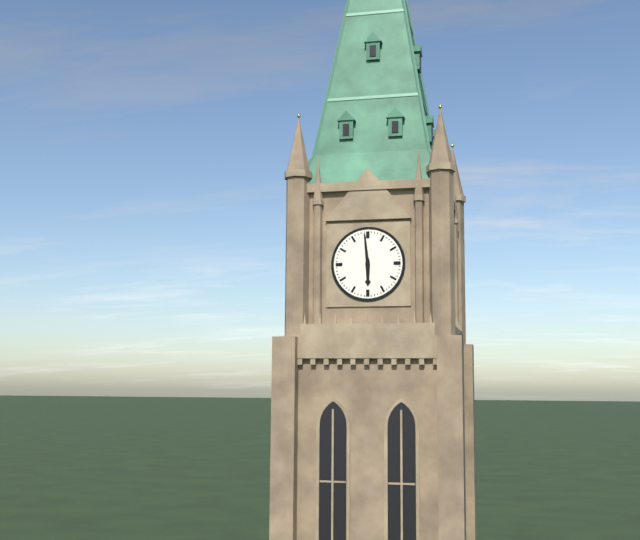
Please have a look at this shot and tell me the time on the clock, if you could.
5:59
